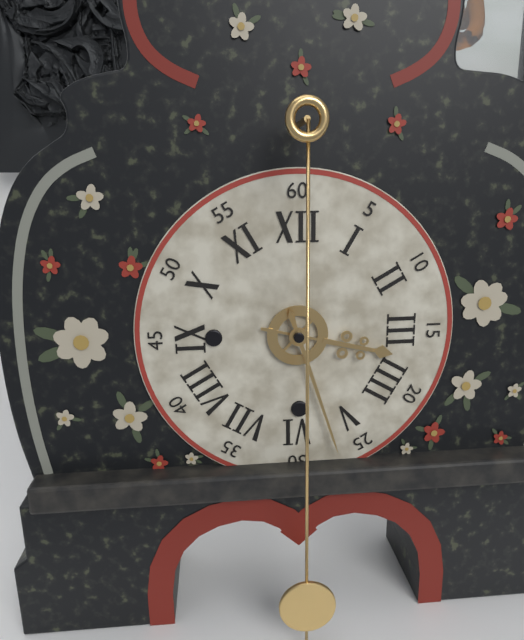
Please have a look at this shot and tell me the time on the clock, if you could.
3:27
